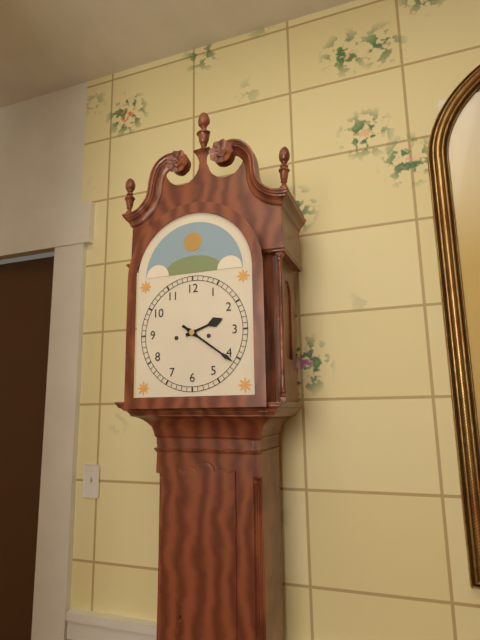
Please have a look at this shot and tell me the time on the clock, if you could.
2:21
